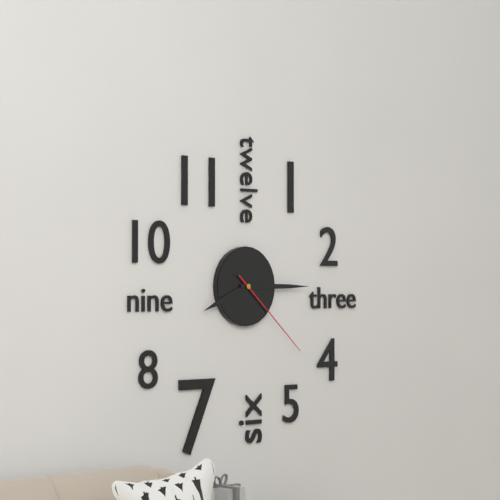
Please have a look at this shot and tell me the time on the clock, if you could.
8:15:22
